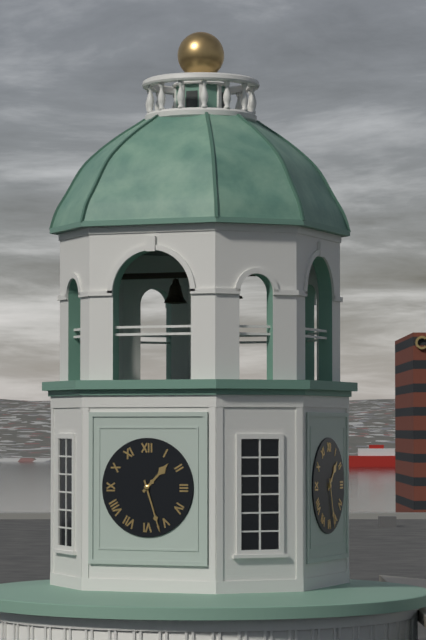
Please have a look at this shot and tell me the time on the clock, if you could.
1:27
